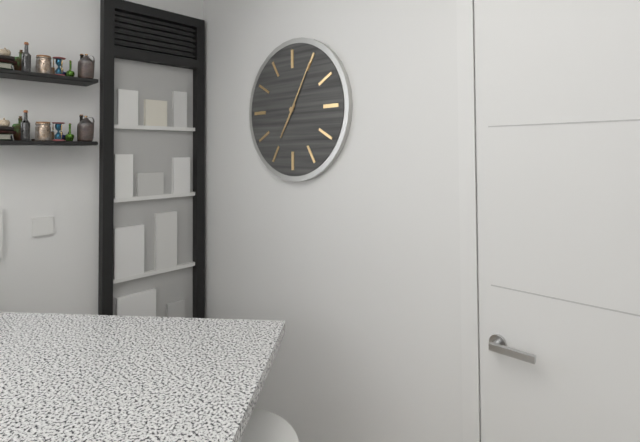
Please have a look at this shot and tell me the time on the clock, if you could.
7:05
